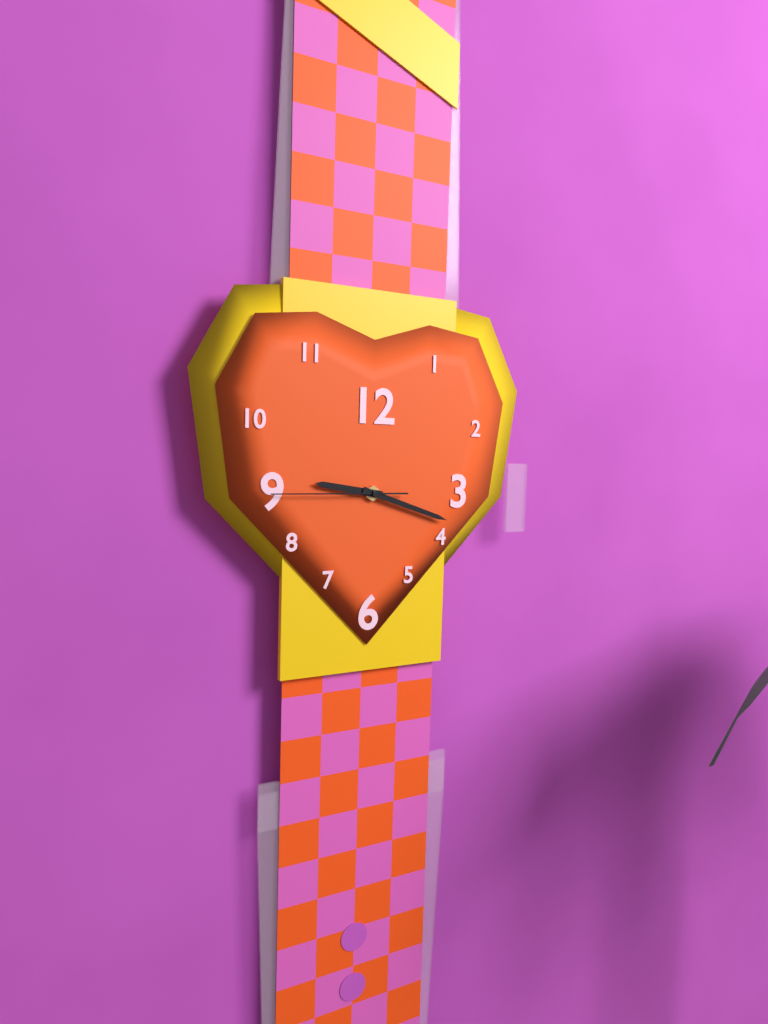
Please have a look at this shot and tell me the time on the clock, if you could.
9:18:45
